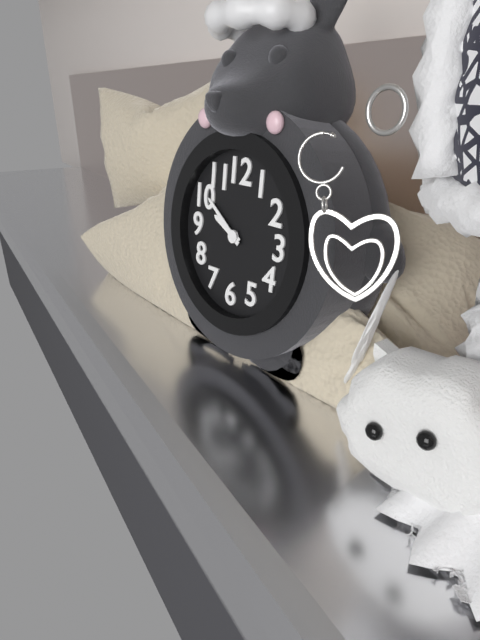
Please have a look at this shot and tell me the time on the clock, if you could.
9:51
